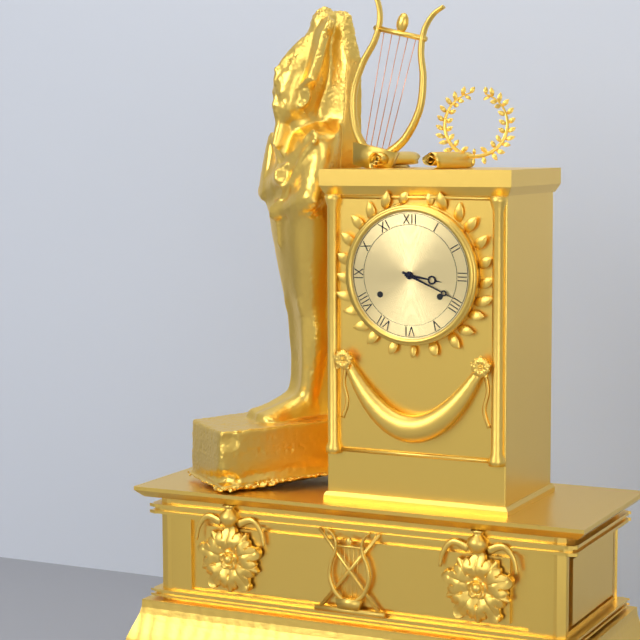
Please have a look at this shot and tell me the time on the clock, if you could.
3:19
